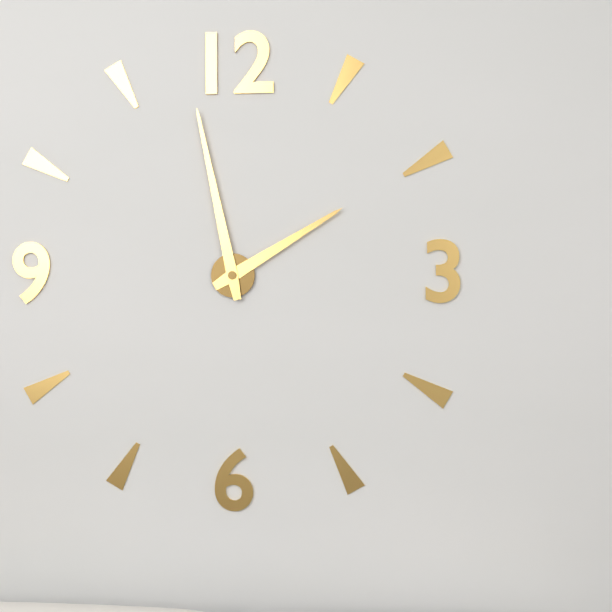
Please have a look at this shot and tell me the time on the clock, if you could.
1:58
